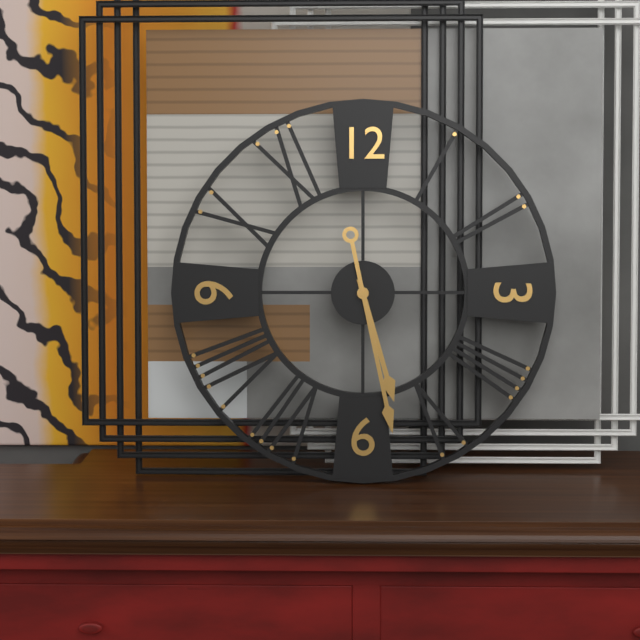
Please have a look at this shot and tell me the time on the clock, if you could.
5:28
